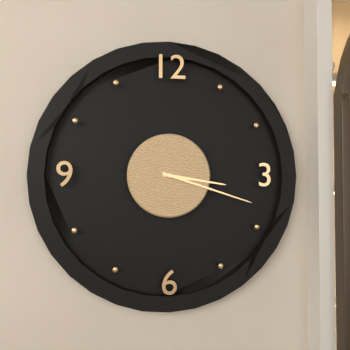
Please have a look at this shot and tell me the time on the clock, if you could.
3:18
